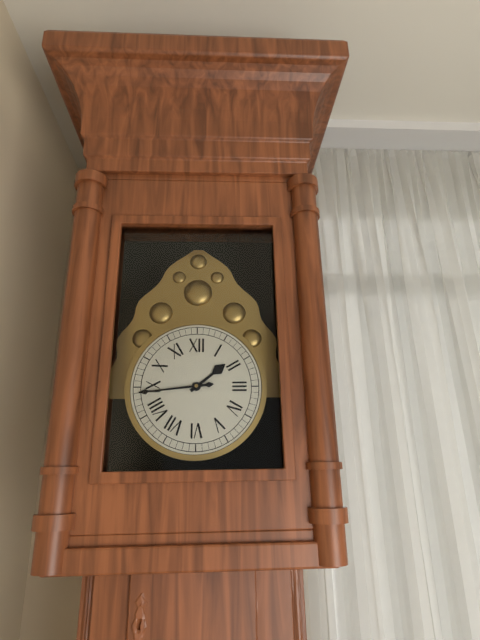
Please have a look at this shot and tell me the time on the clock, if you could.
1:44
